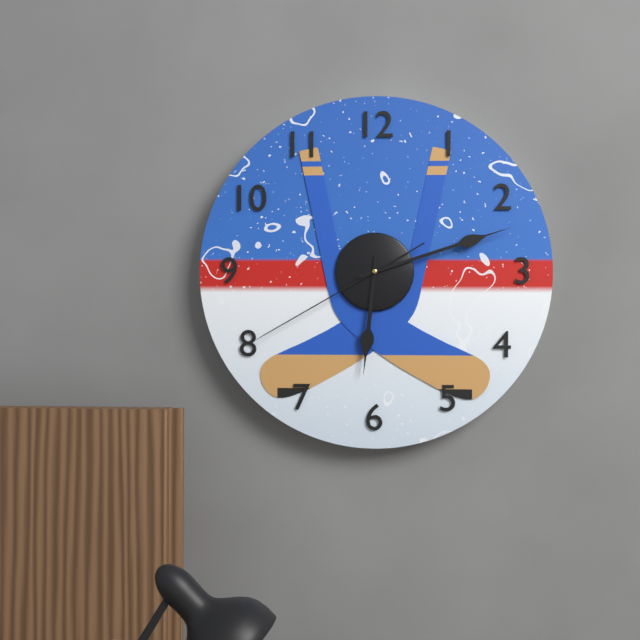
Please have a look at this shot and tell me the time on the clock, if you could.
6:12:40
